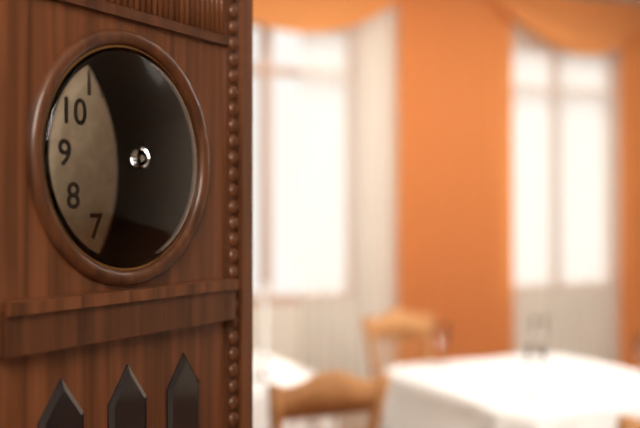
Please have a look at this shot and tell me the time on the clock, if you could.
3:28
